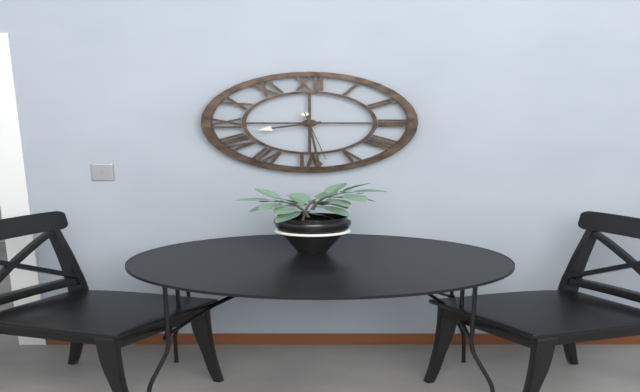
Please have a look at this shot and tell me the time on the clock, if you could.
8:29
